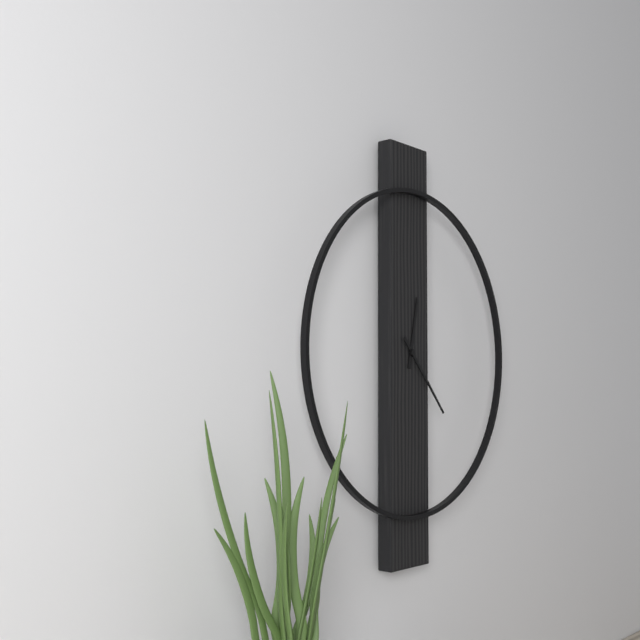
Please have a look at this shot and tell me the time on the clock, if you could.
12:23
